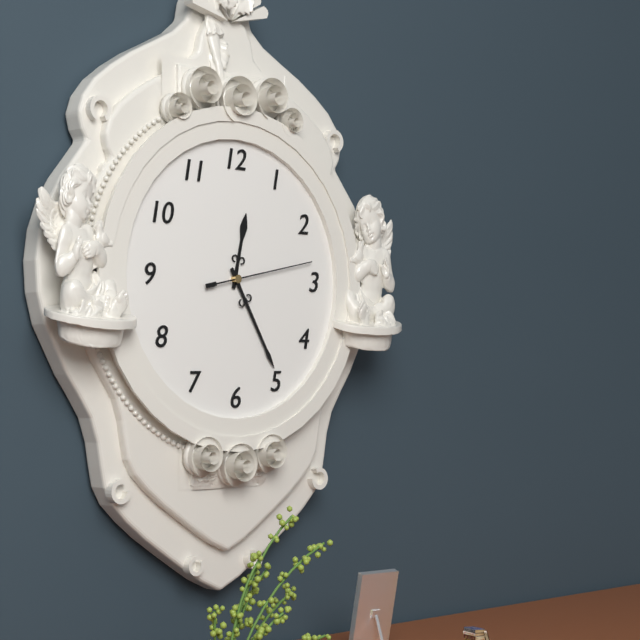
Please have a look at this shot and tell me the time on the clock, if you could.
12:25:13
